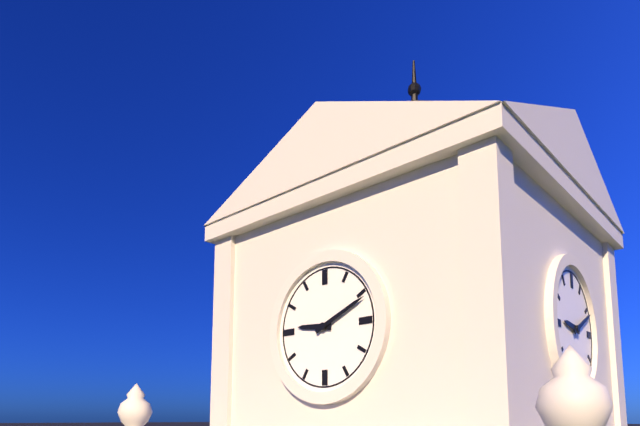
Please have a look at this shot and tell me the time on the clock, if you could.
9:11
